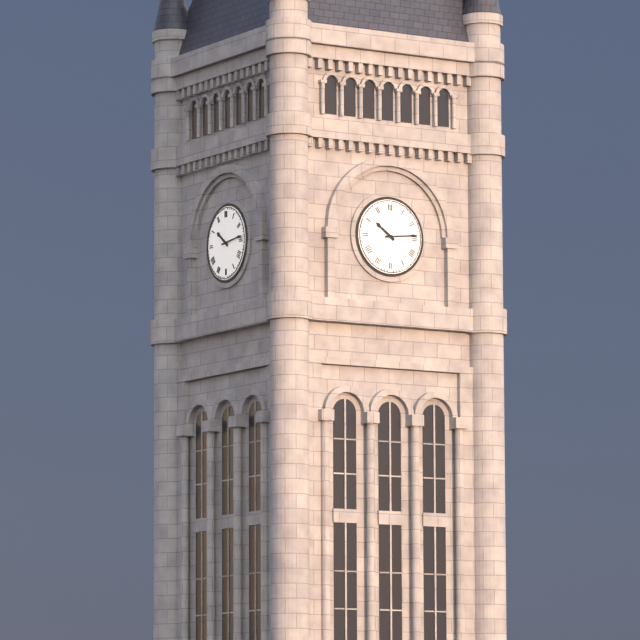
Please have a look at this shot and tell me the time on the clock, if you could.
10:14
